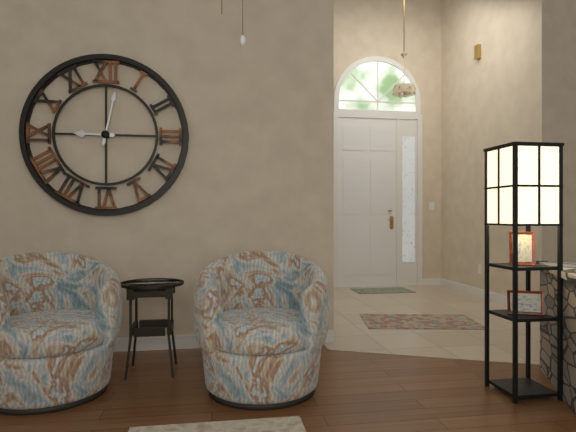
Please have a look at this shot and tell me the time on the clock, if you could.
9:02
